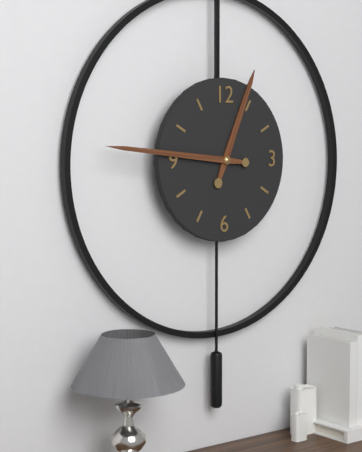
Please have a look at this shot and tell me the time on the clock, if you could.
12:46
